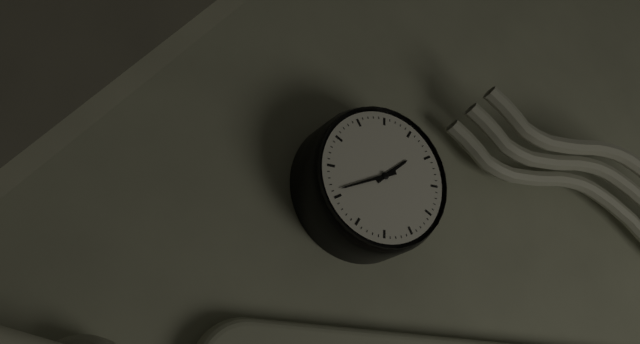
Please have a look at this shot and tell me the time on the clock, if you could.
1:41
